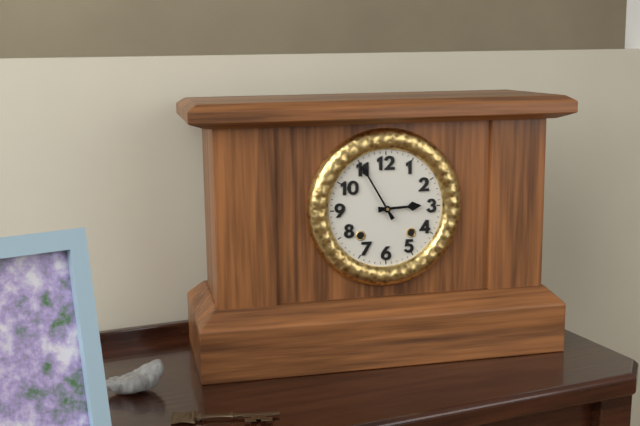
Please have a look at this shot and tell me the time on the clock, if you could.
2:55
